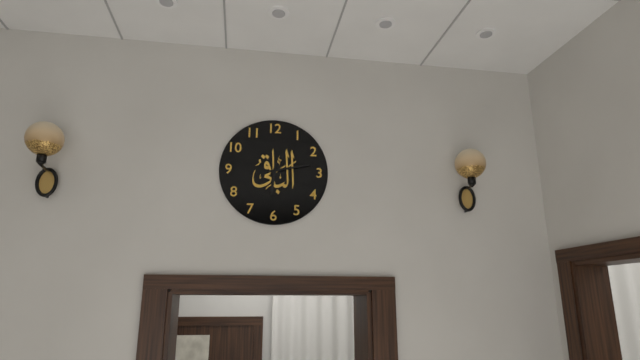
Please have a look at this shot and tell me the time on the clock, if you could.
6:13
